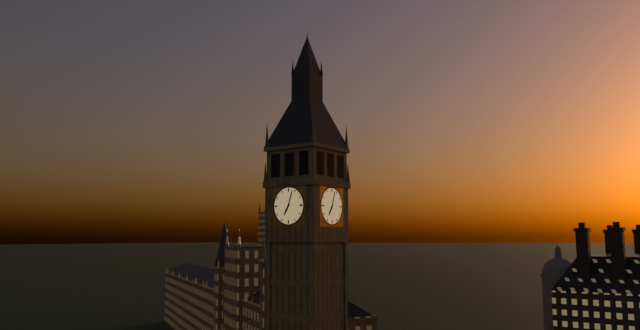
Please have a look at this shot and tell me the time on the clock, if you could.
7:03
